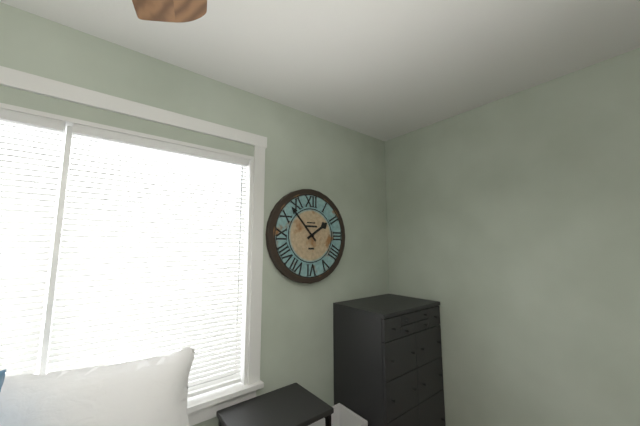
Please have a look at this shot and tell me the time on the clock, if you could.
1:53
